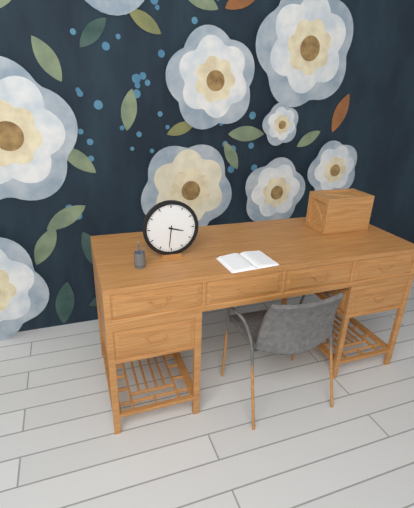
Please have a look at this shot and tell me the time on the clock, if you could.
3:31
